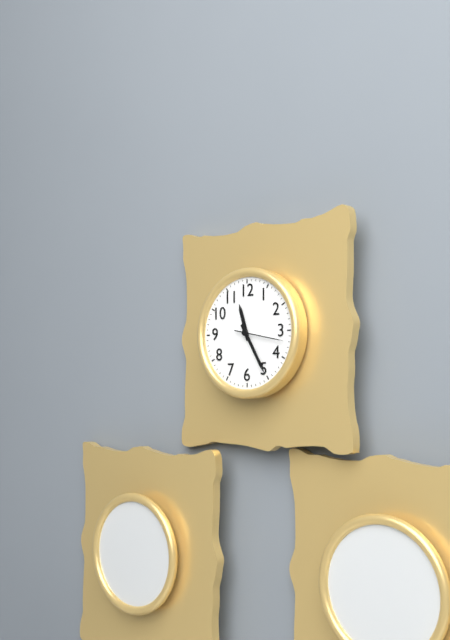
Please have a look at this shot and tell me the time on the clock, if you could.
11:25
